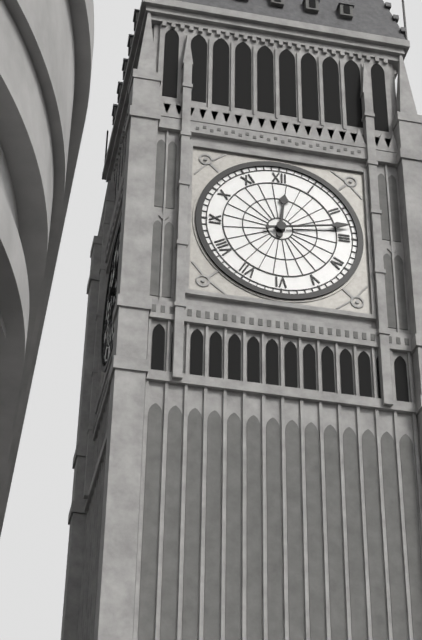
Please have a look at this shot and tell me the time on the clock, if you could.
12:13
